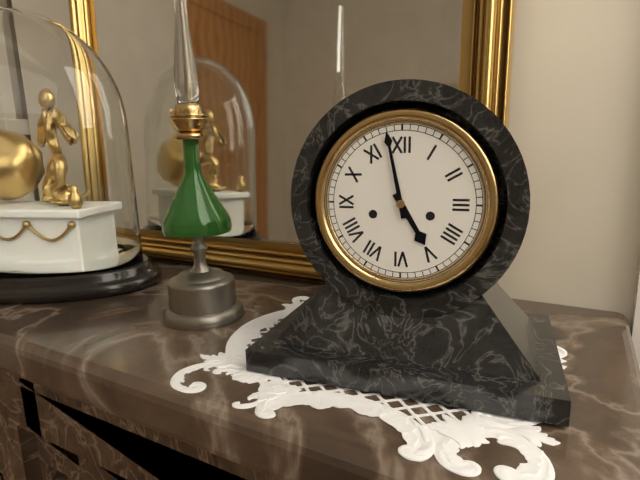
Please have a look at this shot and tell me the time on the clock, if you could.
4:58
